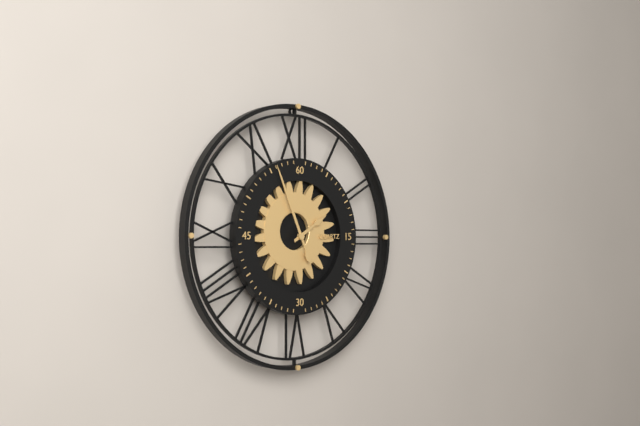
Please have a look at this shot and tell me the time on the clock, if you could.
1:56
